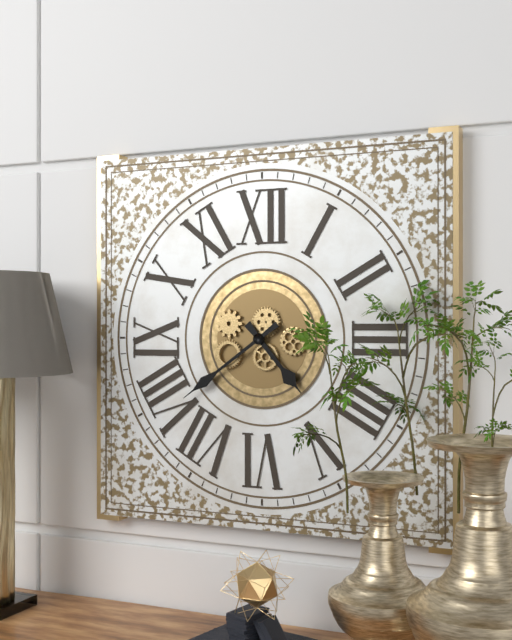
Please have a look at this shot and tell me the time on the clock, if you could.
4:39
